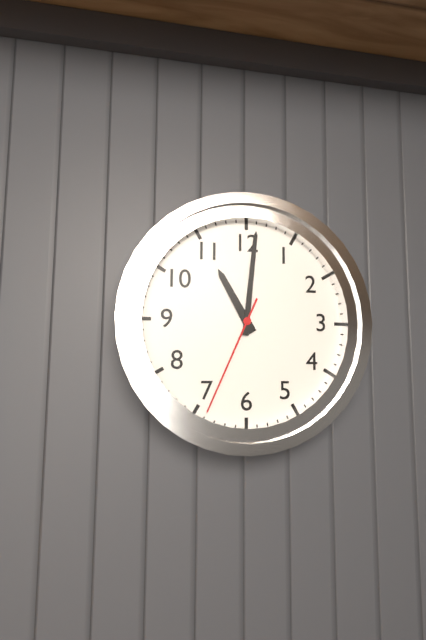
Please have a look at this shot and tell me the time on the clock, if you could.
11:01:34
